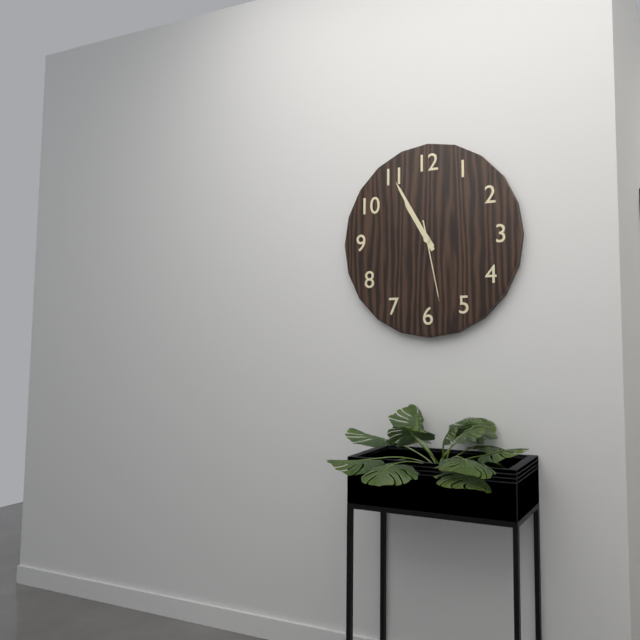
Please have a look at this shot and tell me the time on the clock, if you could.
10:55:28
